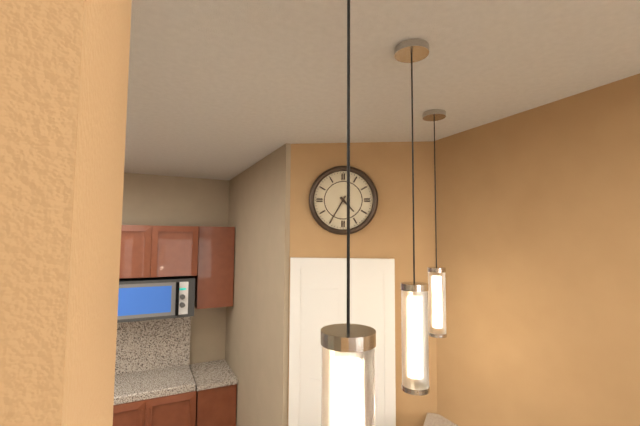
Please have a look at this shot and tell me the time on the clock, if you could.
4:35
